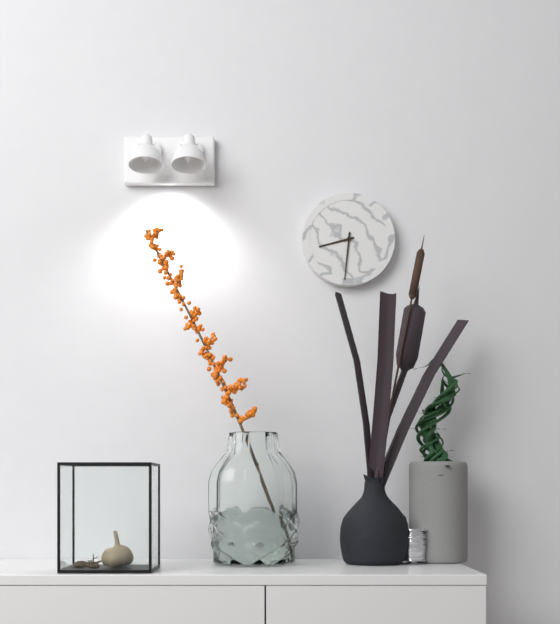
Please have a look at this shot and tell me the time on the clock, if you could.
8:31
